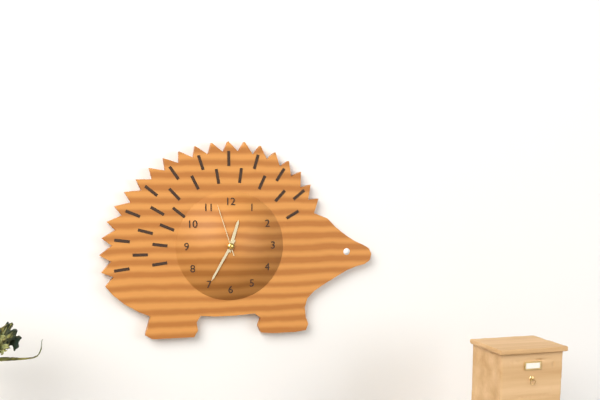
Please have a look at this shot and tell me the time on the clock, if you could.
12:35:57
